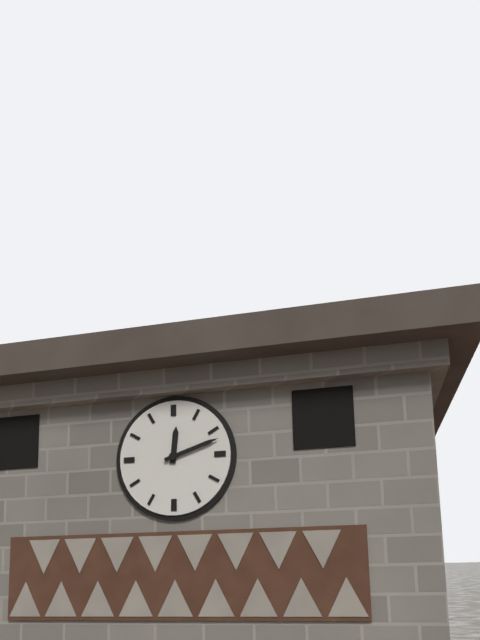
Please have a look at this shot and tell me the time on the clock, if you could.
12:12
